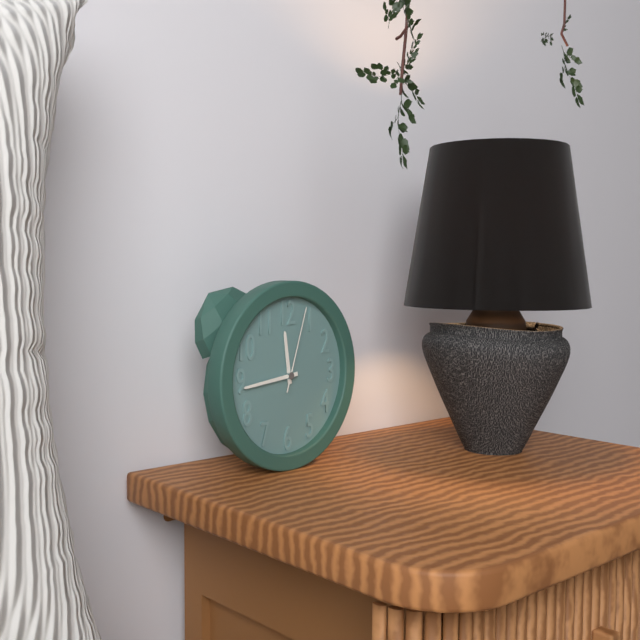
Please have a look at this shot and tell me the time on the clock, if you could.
11:44:03
